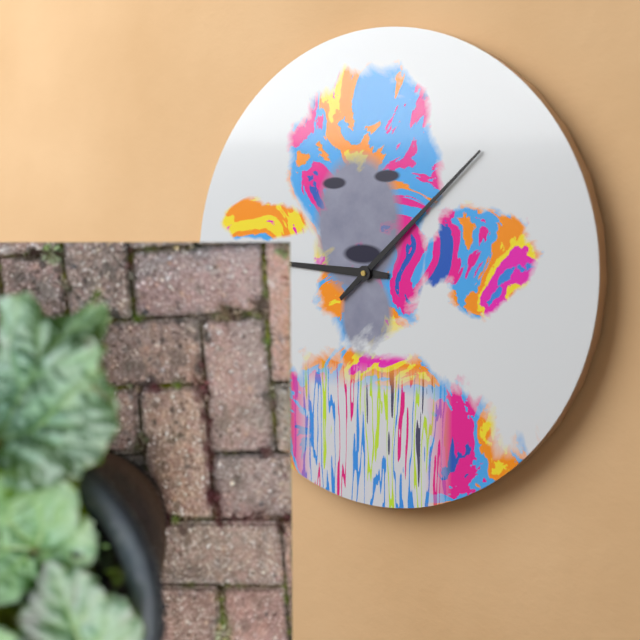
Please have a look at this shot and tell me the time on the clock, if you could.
9:08
